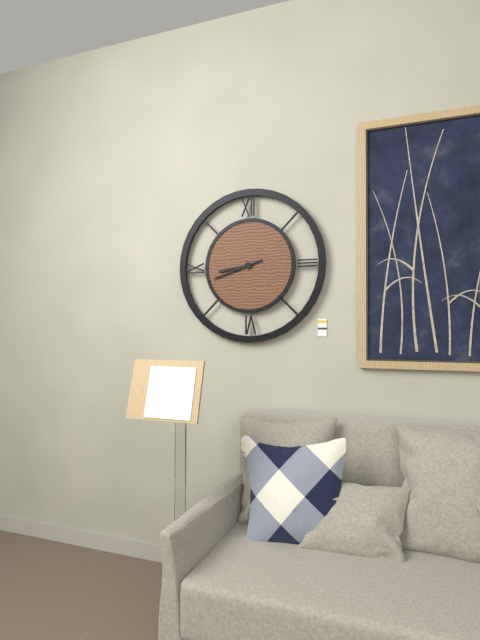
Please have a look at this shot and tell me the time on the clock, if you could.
8:42
